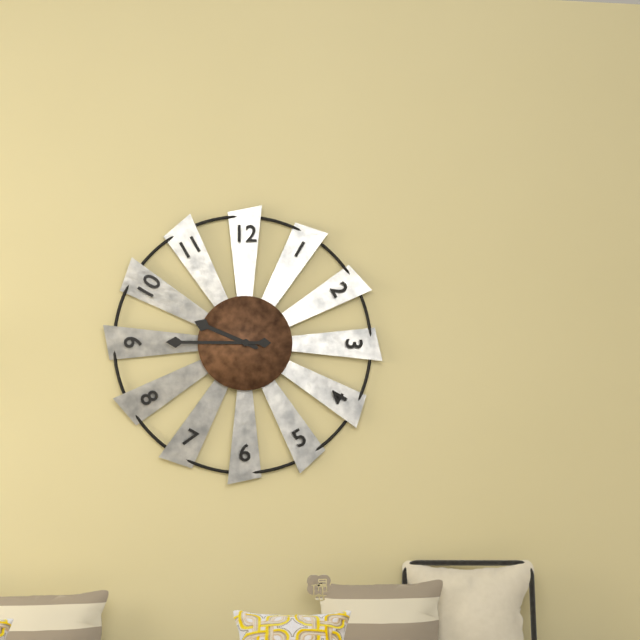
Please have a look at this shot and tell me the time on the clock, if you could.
9:45
